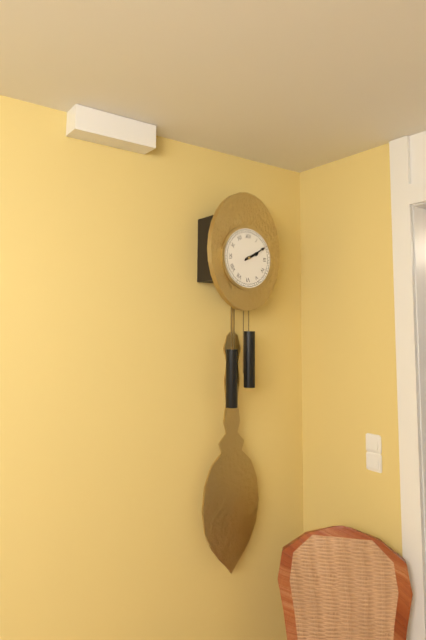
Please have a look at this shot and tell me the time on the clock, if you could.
2:10
